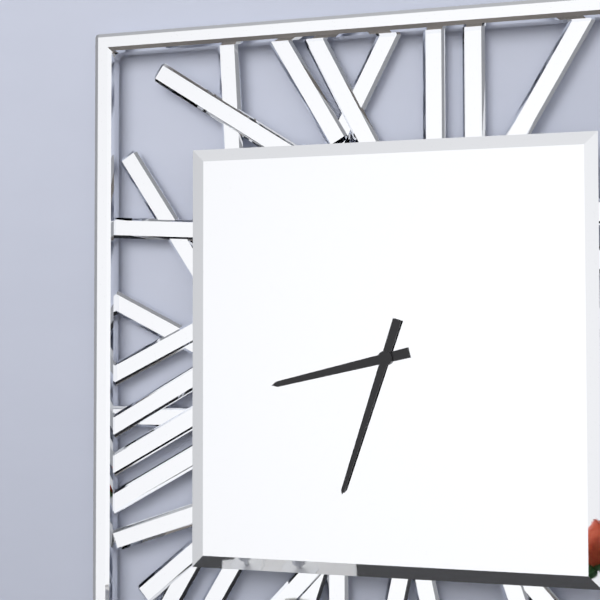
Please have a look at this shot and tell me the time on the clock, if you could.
8:33
